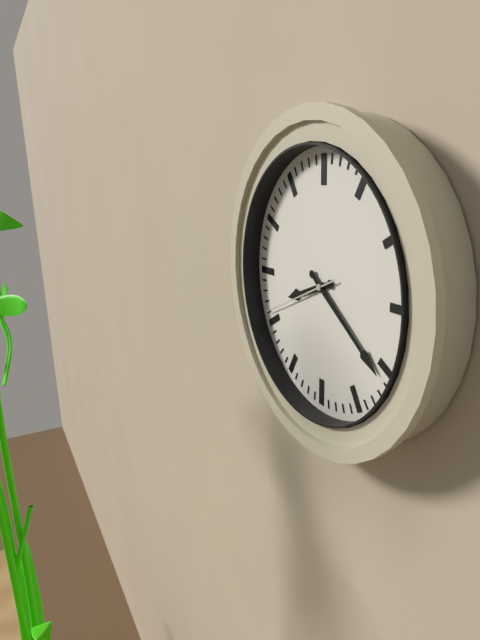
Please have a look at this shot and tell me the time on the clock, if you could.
8:21:41
